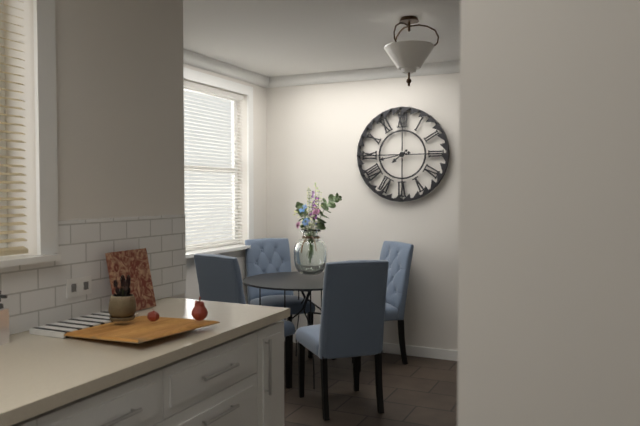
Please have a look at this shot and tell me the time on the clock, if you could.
7:43
